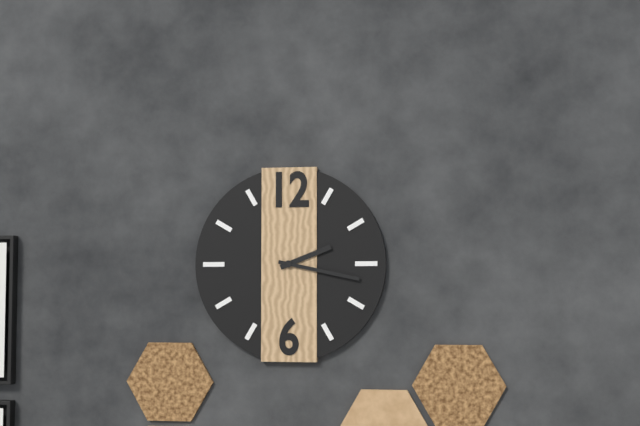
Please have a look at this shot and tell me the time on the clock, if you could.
2:17
